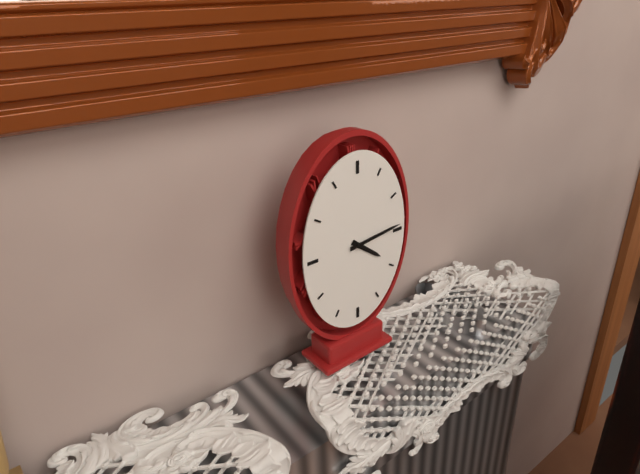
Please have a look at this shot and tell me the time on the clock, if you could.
4:14
